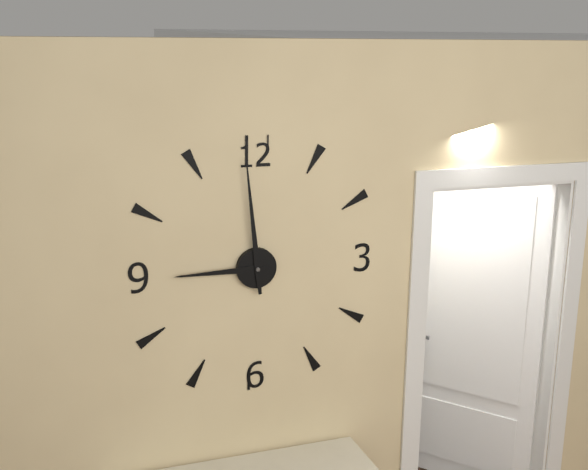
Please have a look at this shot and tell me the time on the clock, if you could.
8:59
